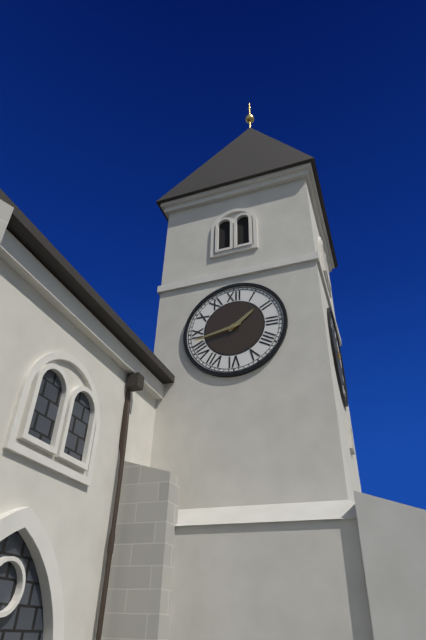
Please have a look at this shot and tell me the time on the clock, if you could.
1:43
